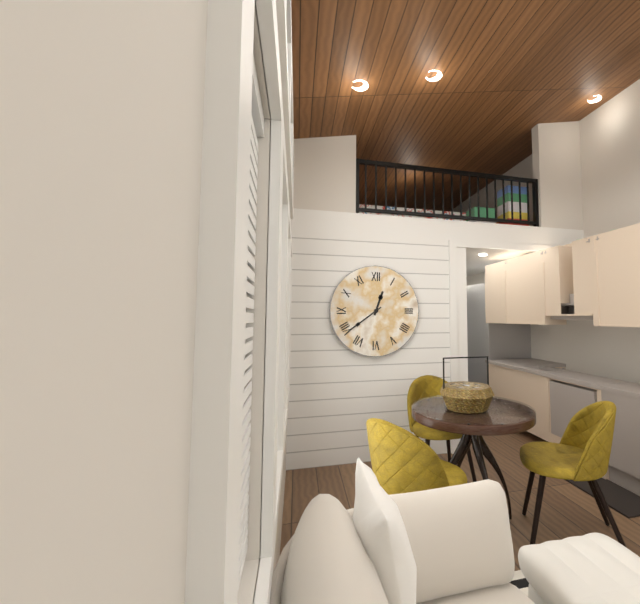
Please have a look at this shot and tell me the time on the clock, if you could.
12:39
